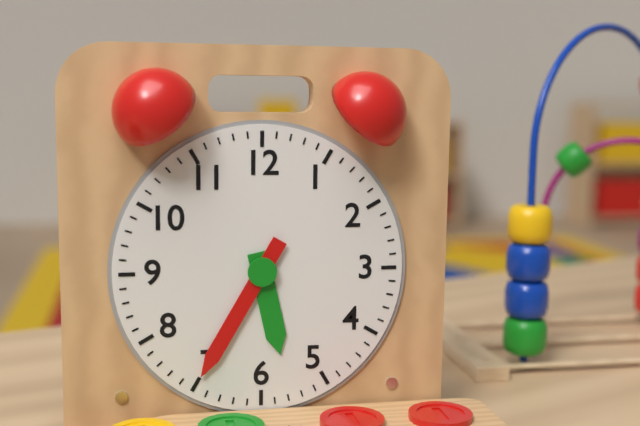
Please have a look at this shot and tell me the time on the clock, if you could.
5:35
